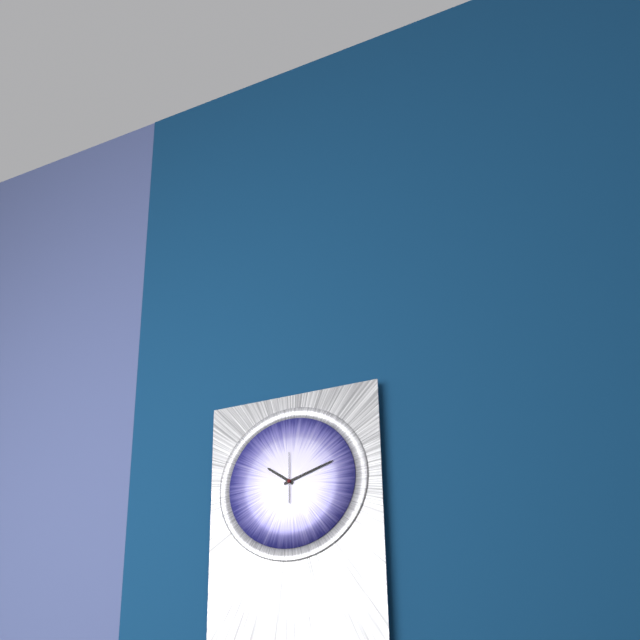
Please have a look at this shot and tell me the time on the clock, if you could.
10:12
